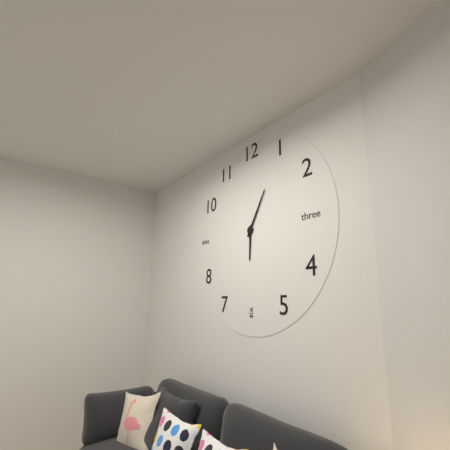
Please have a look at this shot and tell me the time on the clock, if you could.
6:05
